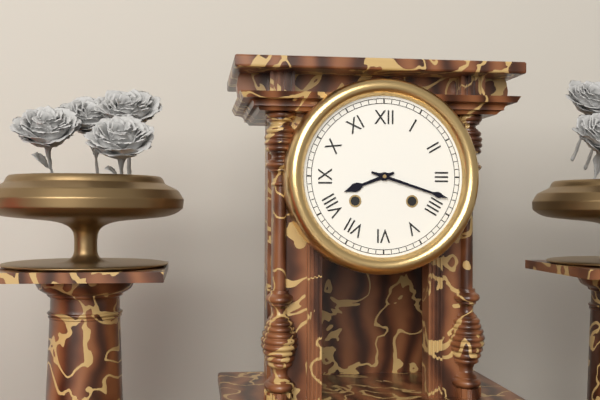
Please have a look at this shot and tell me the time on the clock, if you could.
8:18
